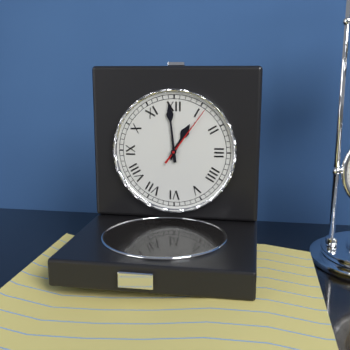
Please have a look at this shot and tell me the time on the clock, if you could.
12:59:06
